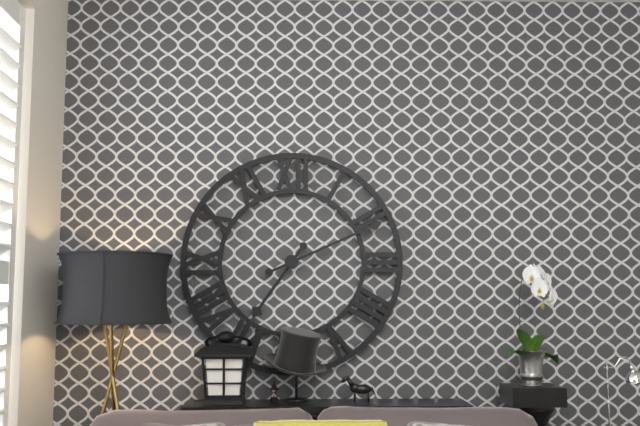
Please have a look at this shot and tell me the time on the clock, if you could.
7:11
